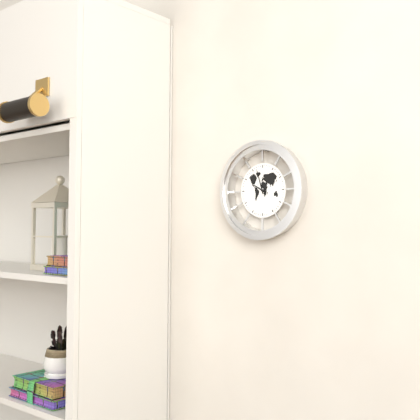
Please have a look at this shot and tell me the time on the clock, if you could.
9:57
